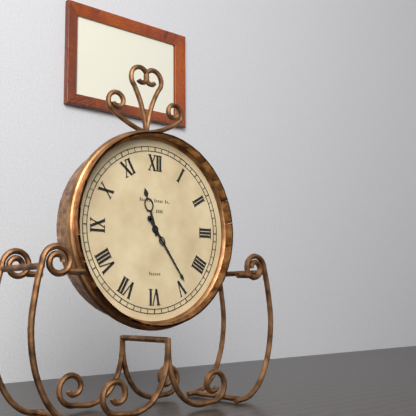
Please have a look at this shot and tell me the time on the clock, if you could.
11:24
